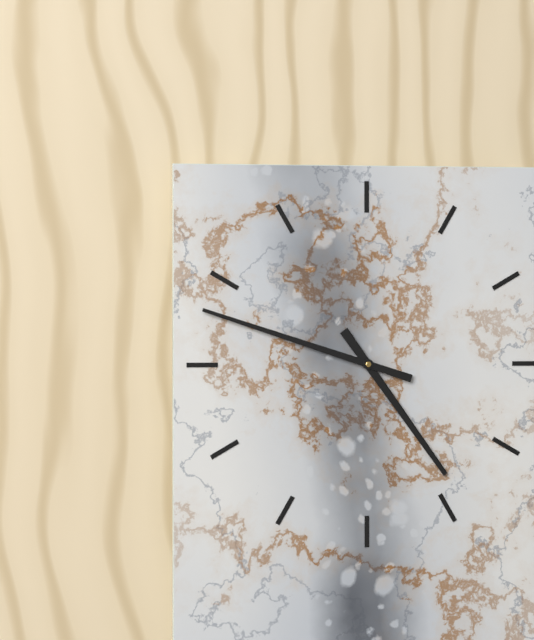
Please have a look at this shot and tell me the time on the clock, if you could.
4:48
